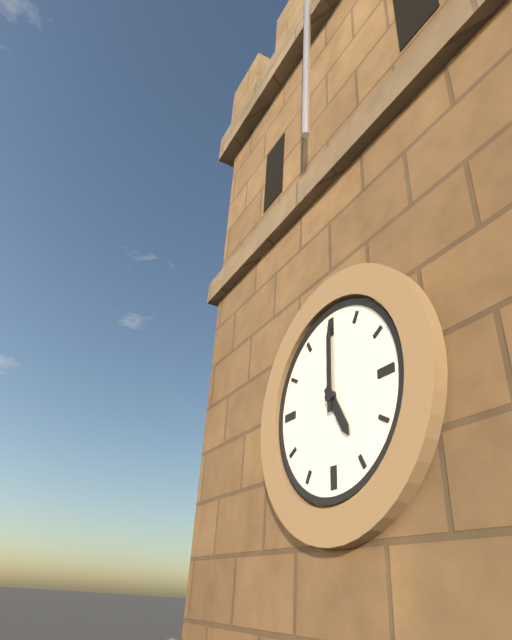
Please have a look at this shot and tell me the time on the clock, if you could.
5:00
